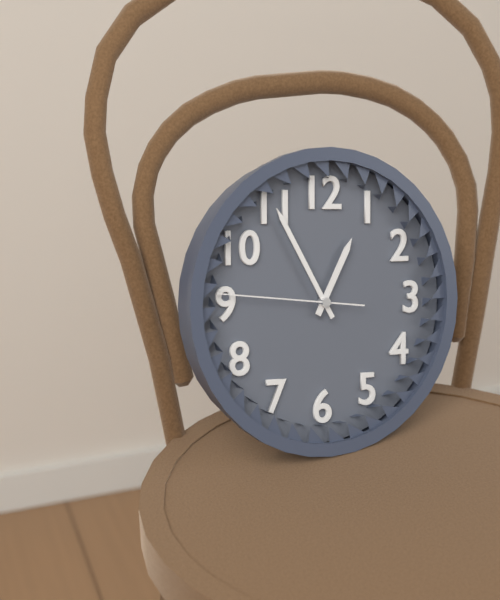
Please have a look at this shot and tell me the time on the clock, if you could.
12:55:46
